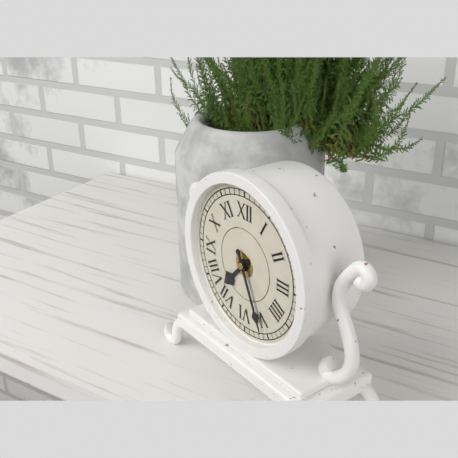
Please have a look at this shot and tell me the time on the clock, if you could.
7:26
